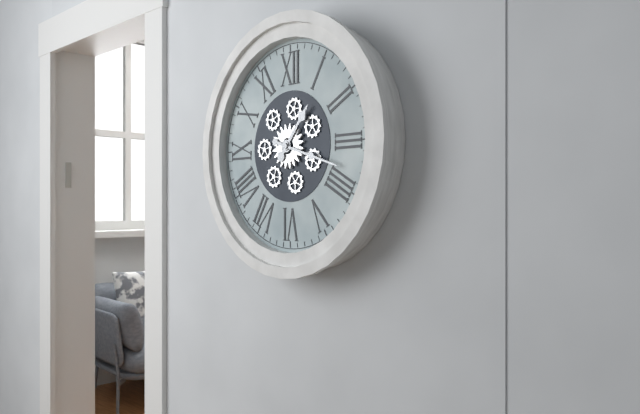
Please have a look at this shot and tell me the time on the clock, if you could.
1:18
